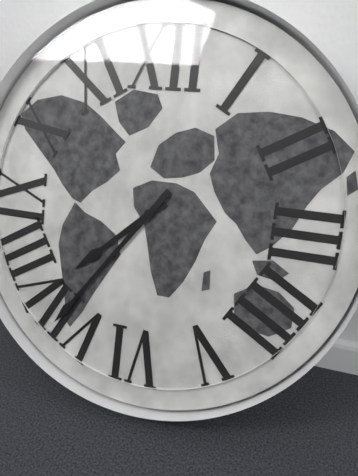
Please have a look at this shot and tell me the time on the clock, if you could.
7:36
